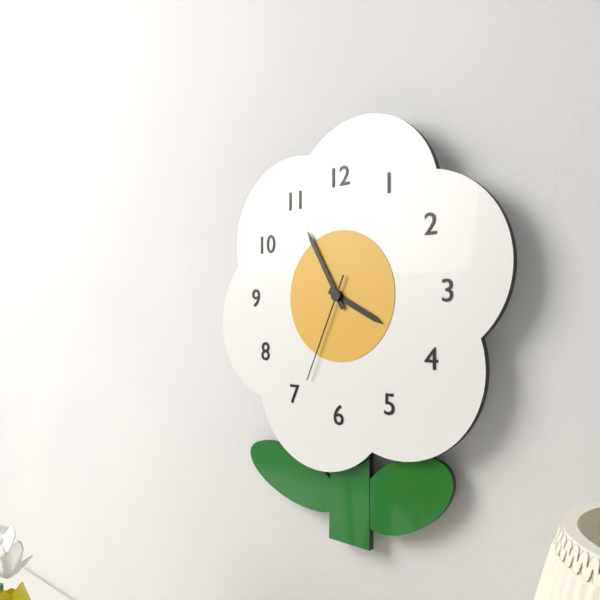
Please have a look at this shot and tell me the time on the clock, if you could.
3:55:34
